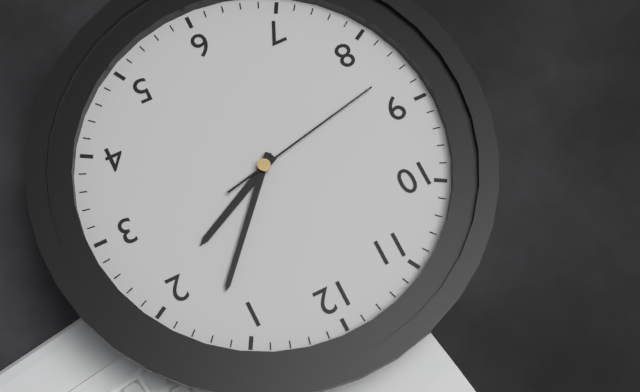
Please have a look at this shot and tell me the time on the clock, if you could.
2:07:43
